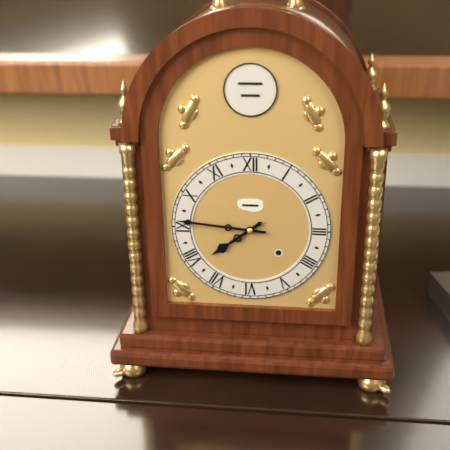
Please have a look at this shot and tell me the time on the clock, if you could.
7:46
